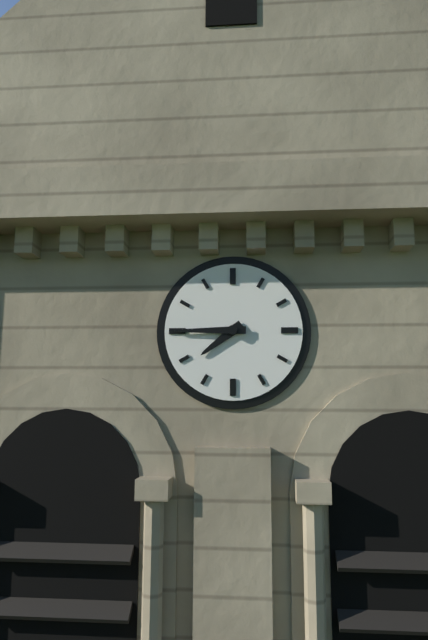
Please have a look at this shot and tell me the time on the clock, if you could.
7:45
